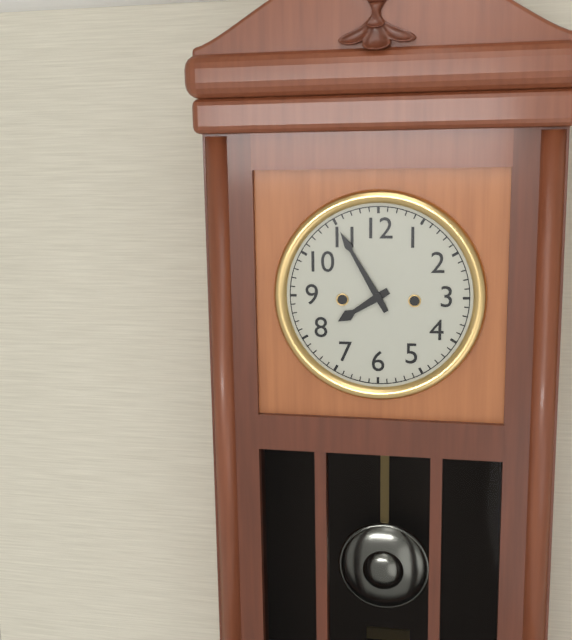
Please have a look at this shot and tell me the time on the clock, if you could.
7:55
